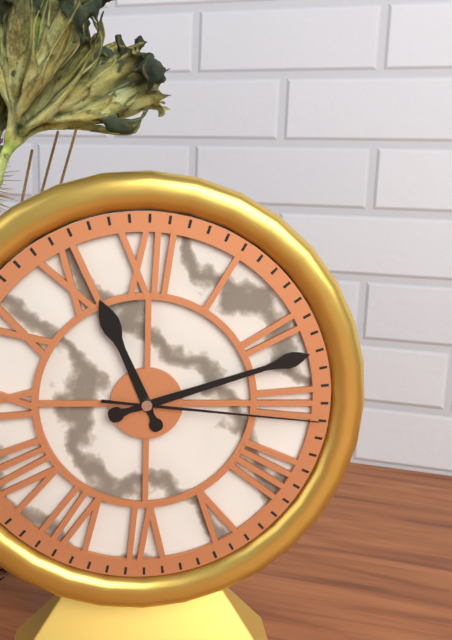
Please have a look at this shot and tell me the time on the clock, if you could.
11:12:16
